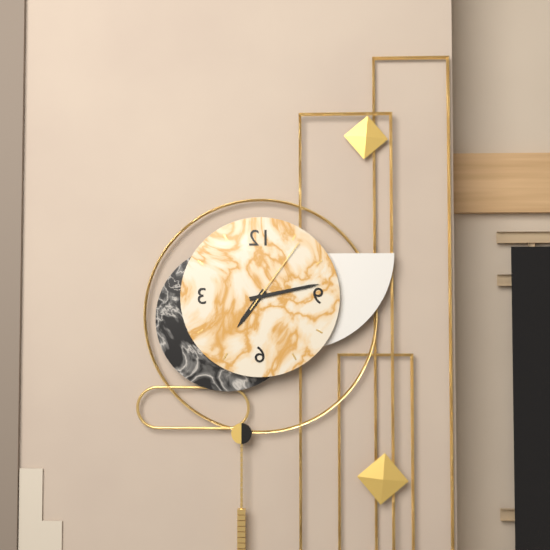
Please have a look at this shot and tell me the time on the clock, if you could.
7:13:06
